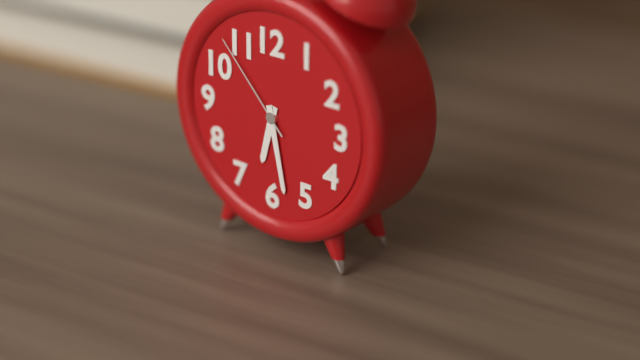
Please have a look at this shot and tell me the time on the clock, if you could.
6:28:53
